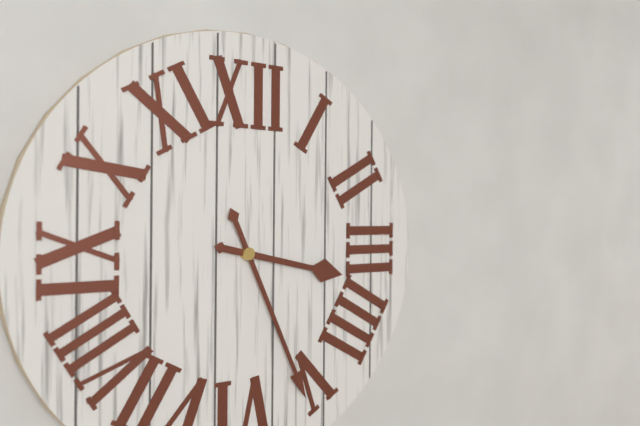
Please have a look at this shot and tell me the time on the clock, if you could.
3:26
